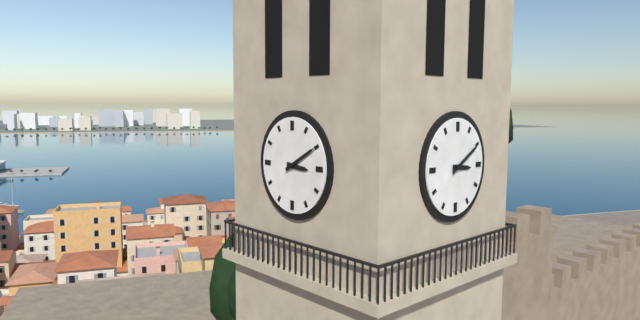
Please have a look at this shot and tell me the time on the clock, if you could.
3:10
